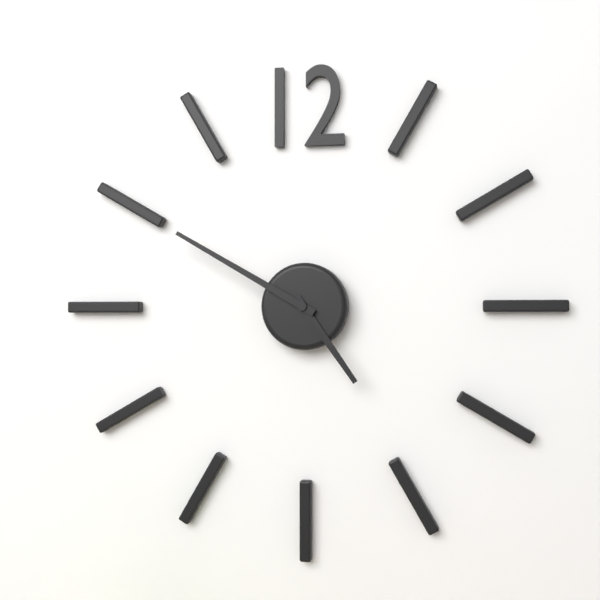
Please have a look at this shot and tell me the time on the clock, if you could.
4:50
